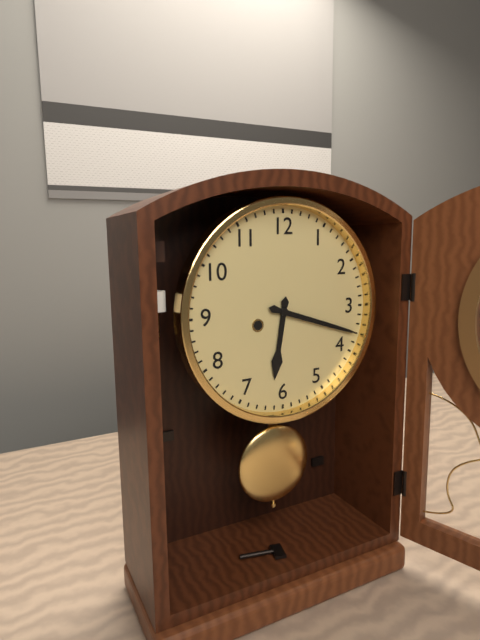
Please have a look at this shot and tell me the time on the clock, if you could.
6:18
